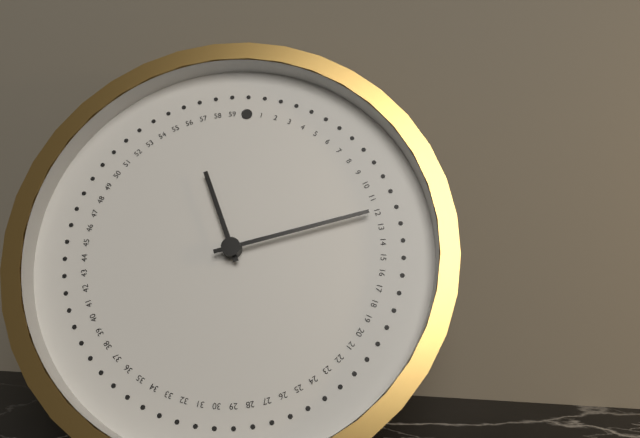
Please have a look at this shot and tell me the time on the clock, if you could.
11:12
